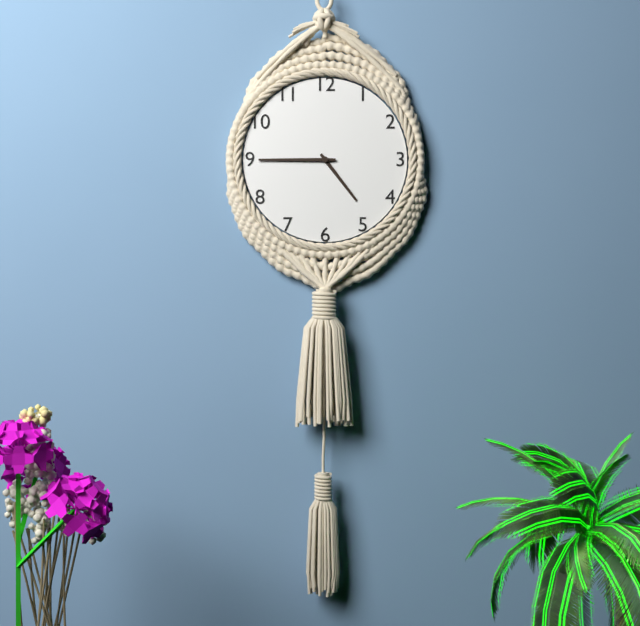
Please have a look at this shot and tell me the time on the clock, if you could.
4:45
